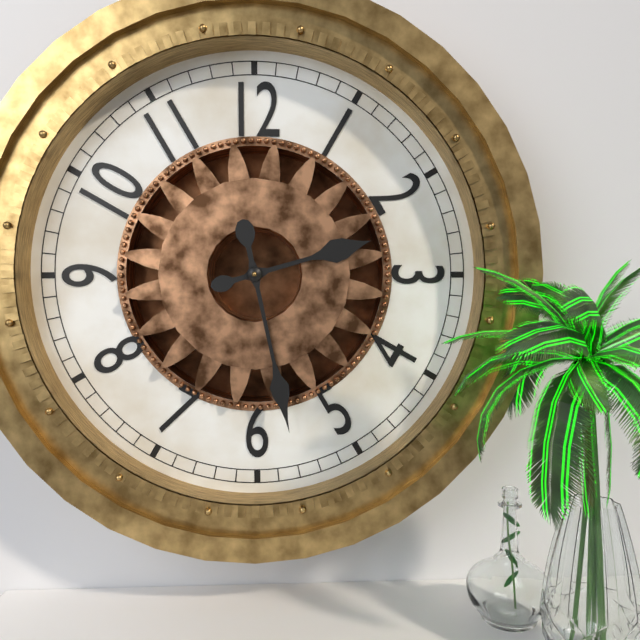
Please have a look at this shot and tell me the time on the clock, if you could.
2:28
